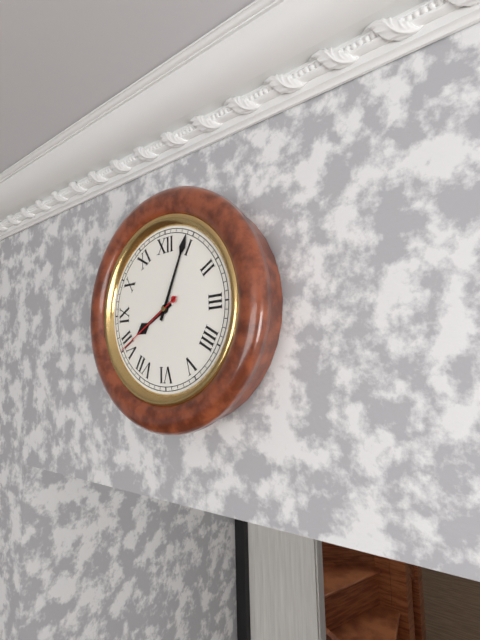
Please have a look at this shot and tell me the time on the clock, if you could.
8:04:40
